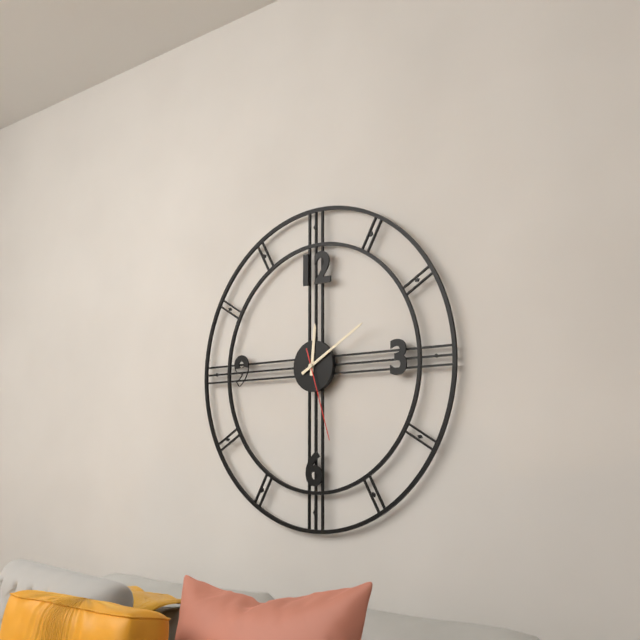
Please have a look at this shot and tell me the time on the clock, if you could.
12:10:27
